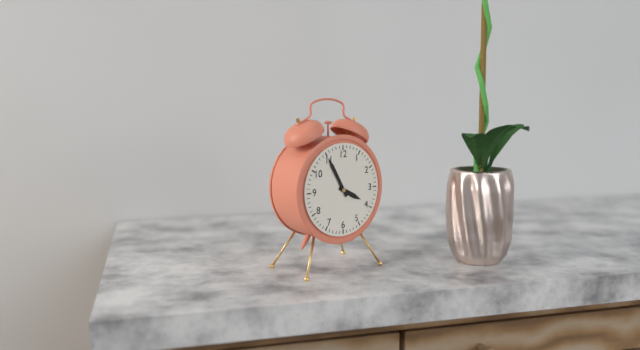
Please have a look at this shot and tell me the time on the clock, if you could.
3:55
